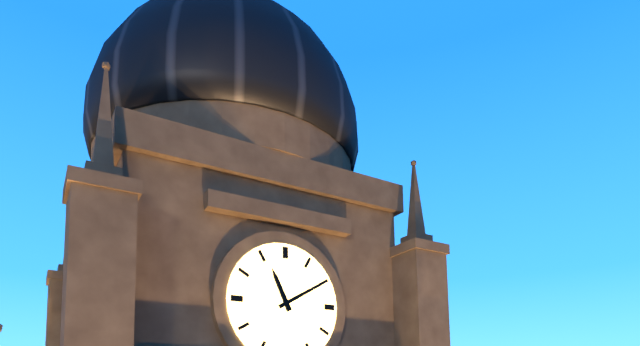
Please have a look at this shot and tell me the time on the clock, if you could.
11:10
